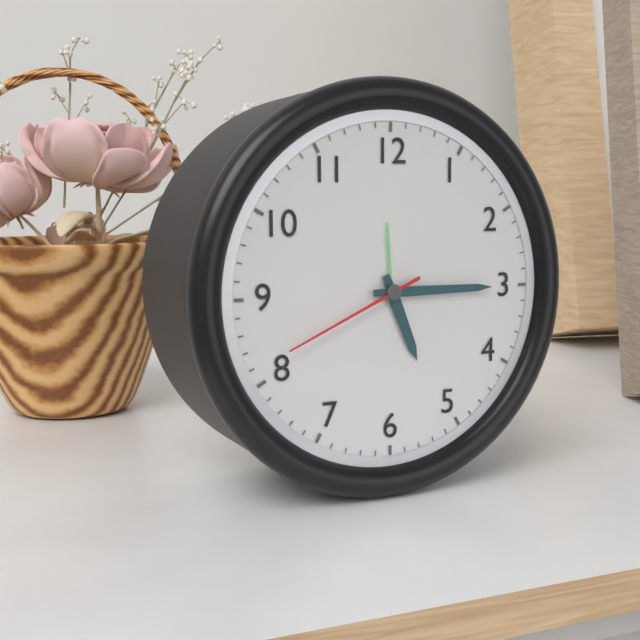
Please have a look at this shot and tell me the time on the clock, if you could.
5:15:41
